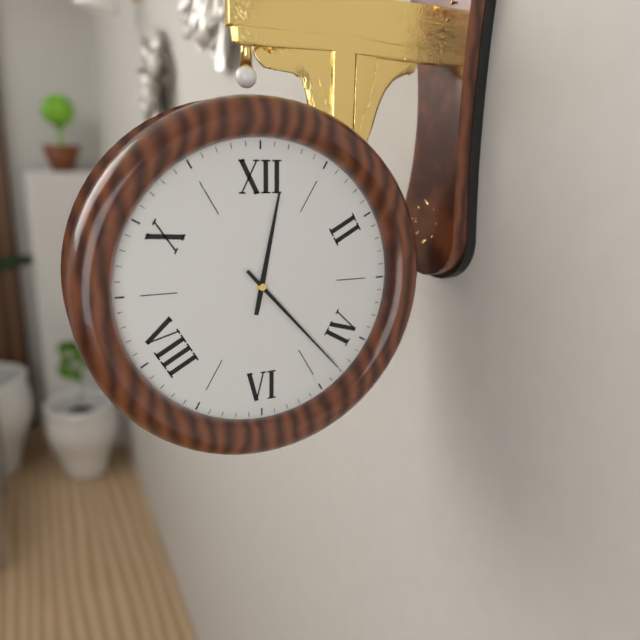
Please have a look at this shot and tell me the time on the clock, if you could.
12:23
